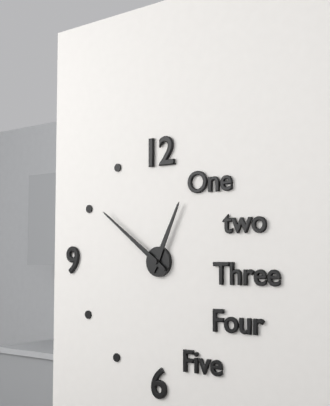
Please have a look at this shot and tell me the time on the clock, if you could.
12:51
